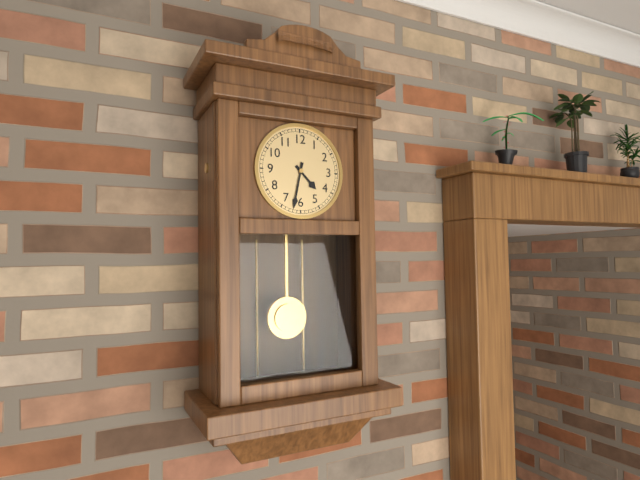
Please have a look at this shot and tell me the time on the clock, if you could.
4:32
